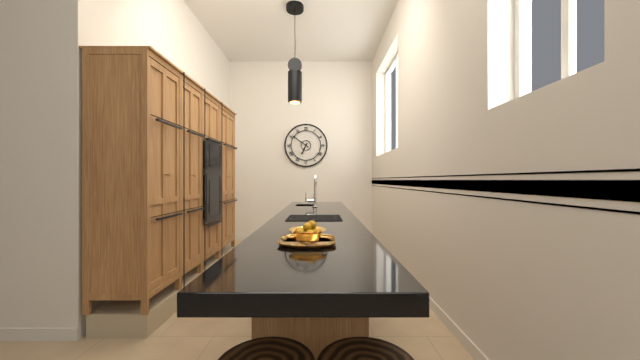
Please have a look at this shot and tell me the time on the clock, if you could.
6:51
